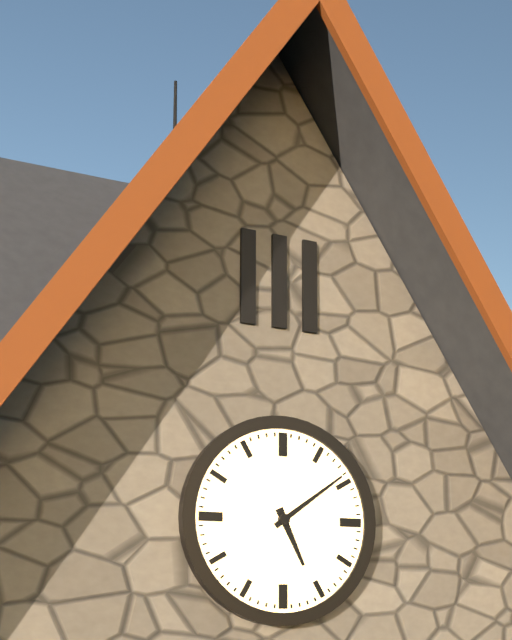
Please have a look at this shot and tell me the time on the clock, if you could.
5:09
